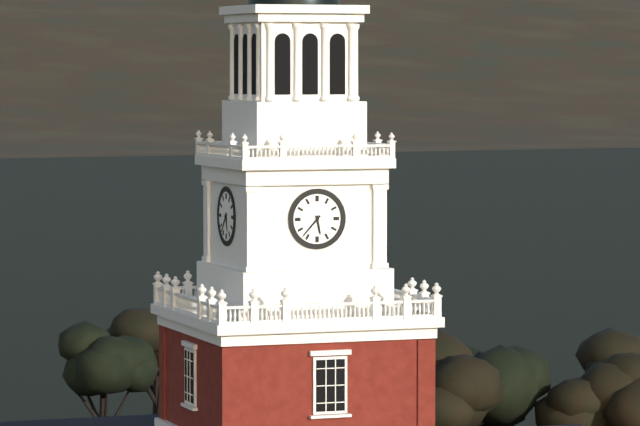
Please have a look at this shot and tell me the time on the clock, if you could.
5:37
